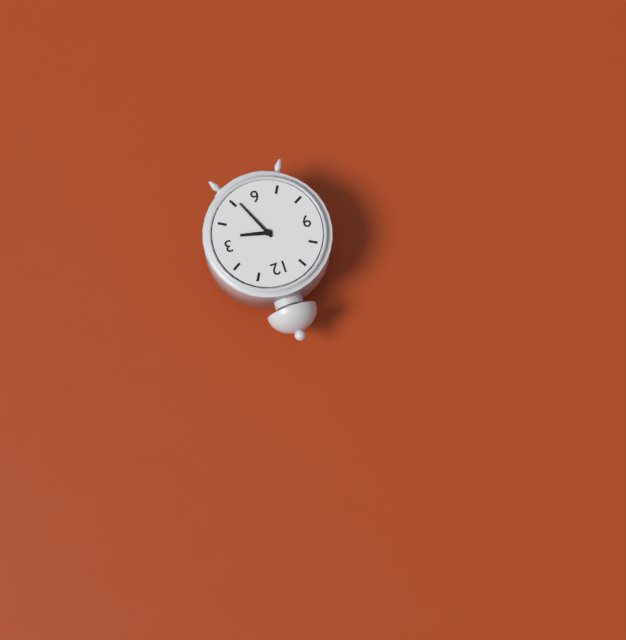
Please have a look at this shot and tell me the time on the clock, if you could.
3:26
